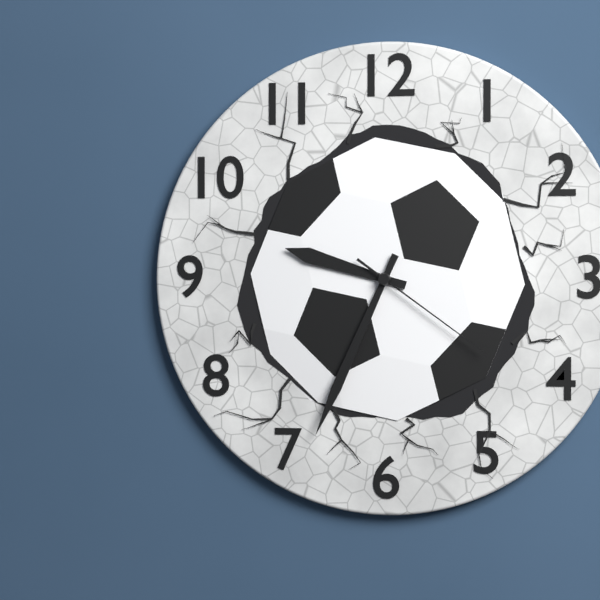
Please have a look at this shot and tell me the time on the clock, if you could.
9:34:21
